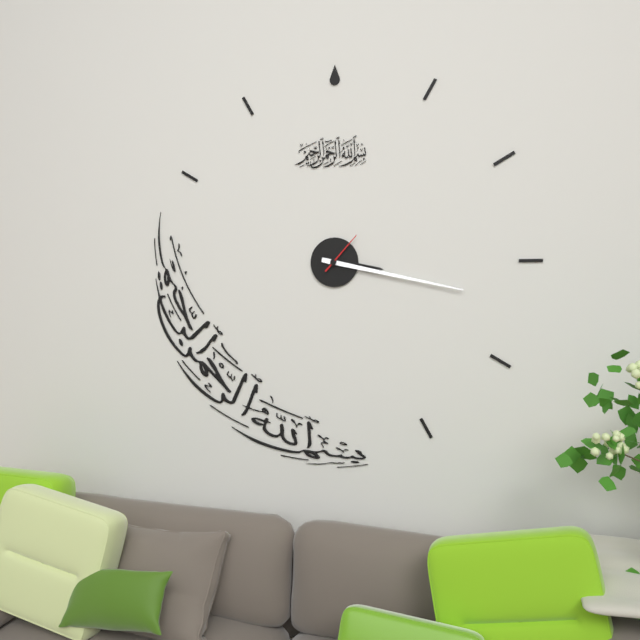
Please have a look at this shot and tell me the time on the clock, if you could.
3:17
